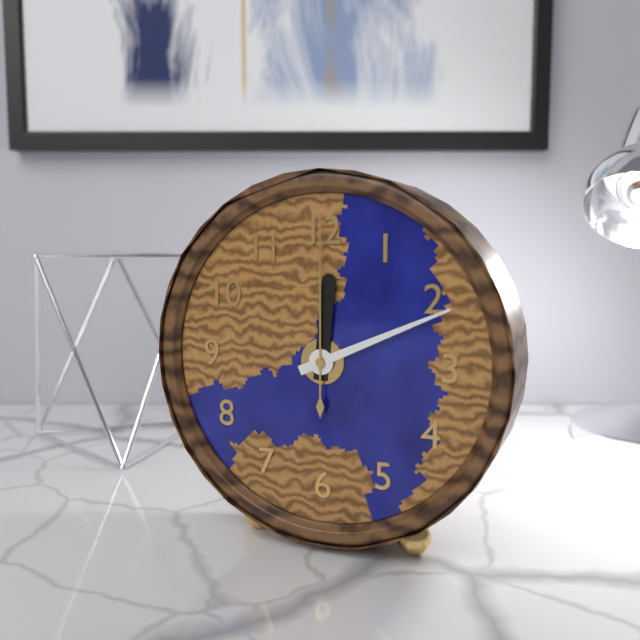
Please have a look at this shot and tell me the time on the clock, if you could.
12:11:00
